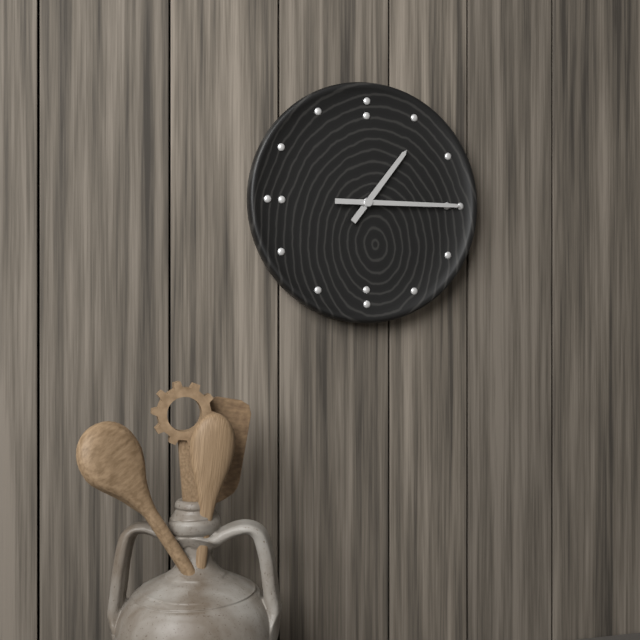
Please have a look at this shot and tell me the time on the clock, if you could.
1:15
